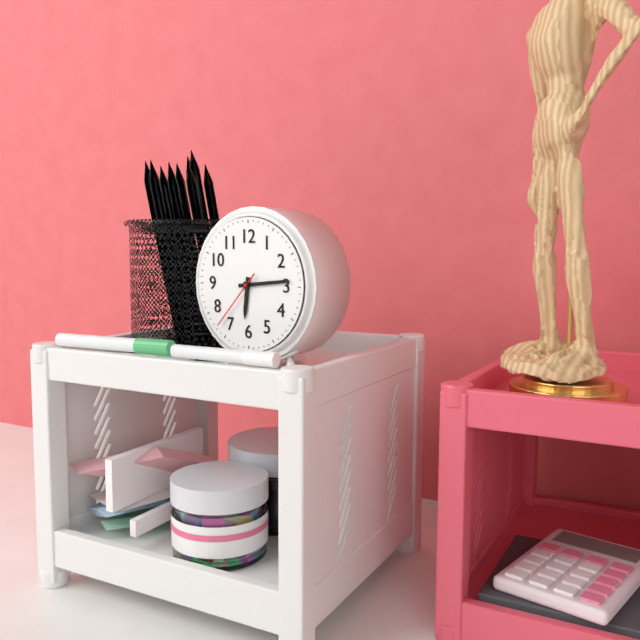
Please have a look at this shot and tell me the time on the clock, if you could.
6:14:37
